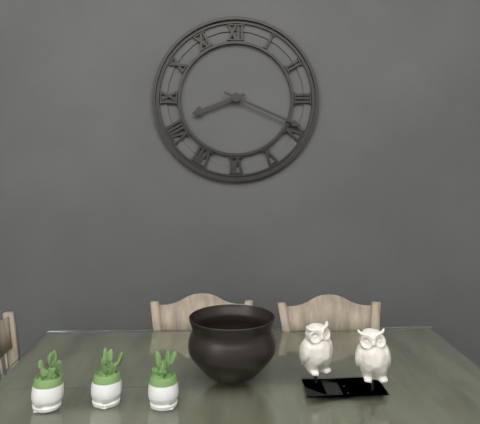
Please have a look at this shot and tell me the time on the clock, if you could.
8:19
